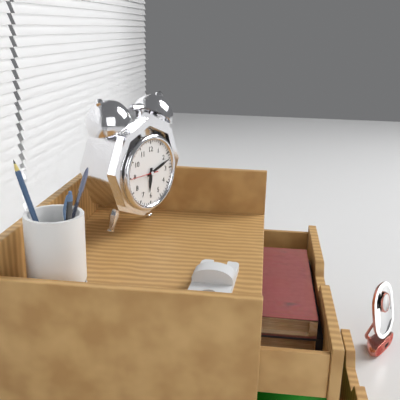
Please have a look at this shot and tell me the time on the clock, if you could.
6:12
